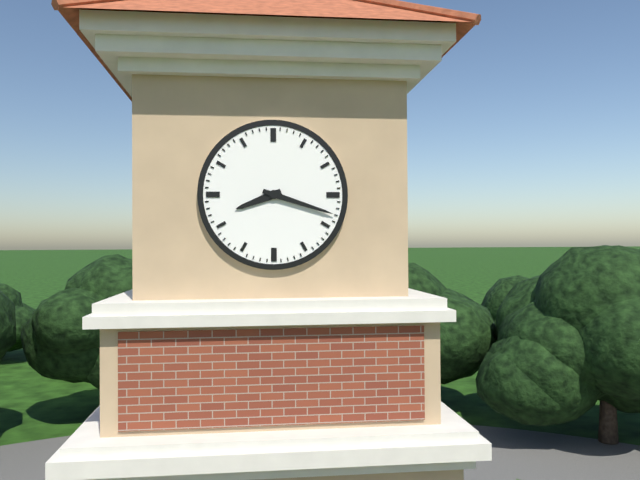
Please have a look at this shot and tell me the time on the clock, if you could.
8:18
